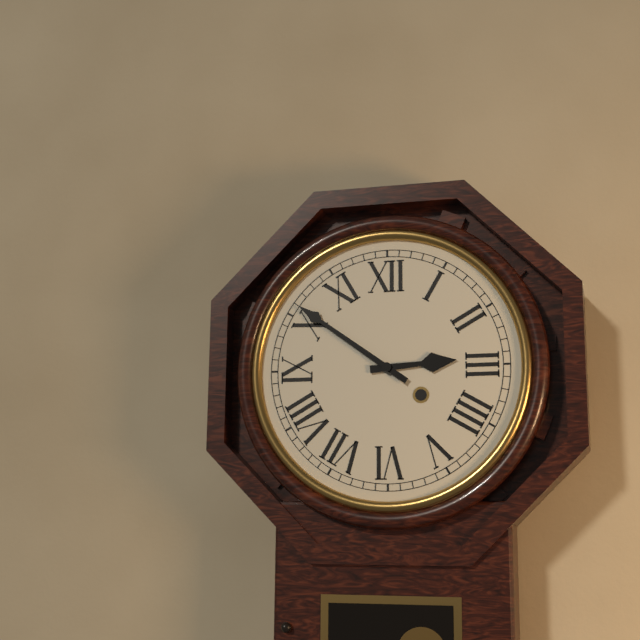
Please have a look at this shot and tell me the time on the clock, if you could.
2:51
